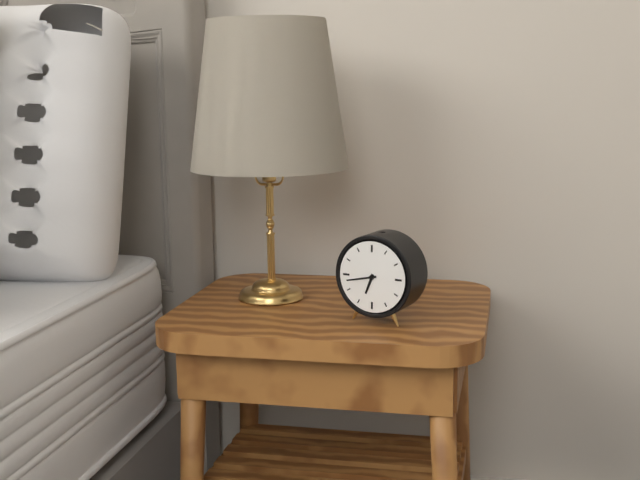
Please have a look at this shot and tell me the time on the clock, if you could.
6:43
